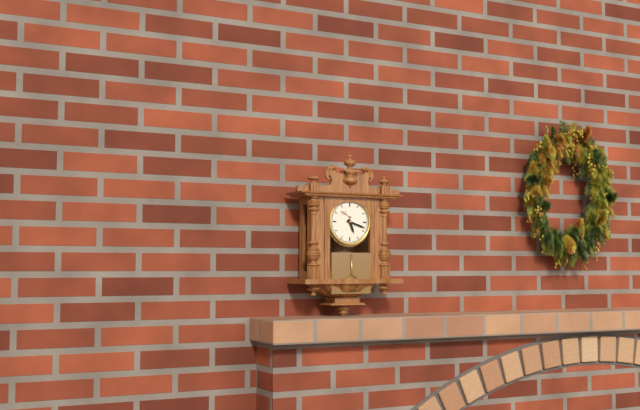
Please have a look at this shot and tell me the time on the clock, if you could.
5:18
